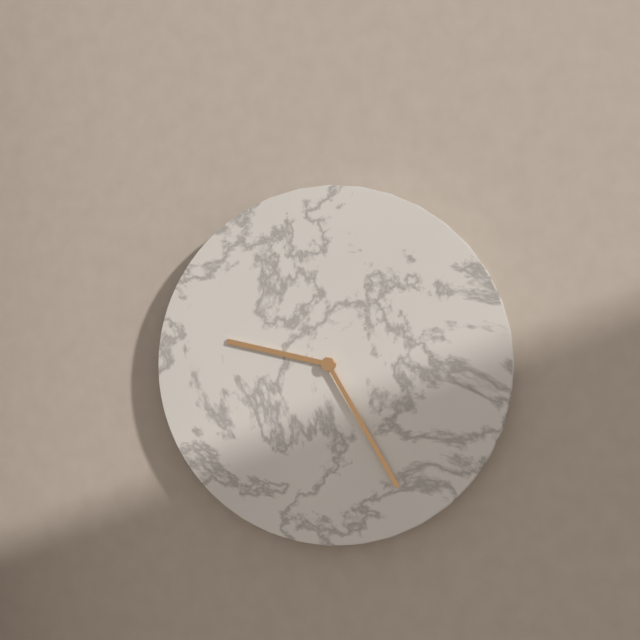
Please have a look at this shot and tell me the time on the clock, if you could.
9:25
